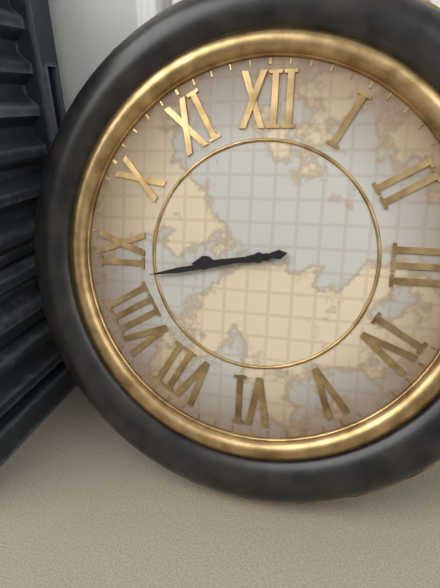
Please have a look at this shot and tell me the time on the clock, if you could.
8:43
